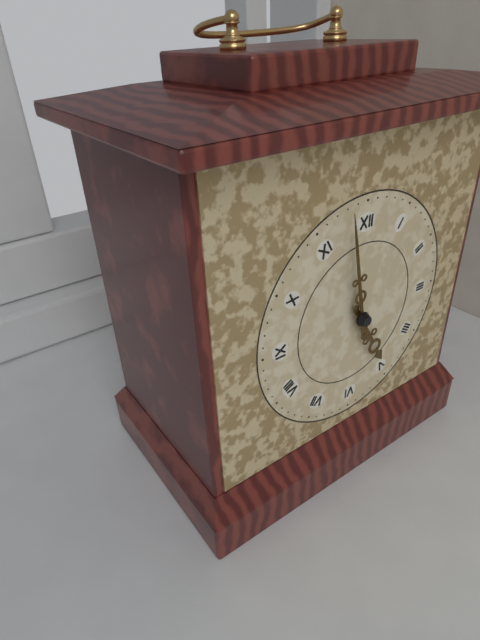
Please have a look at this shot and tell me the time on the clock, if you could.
4:58
